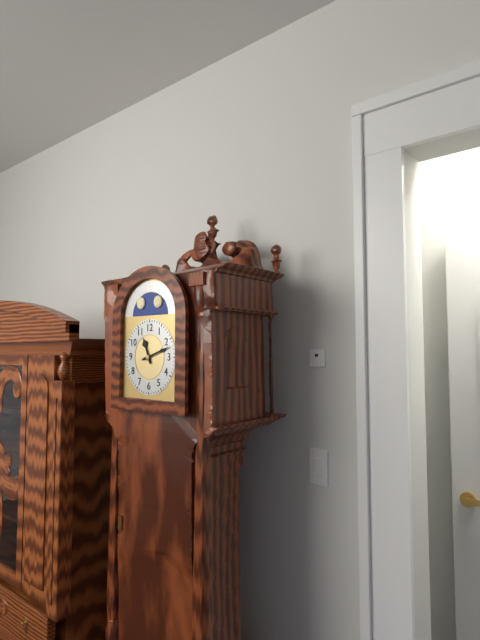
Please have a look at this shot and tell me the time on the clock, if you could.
11:12
